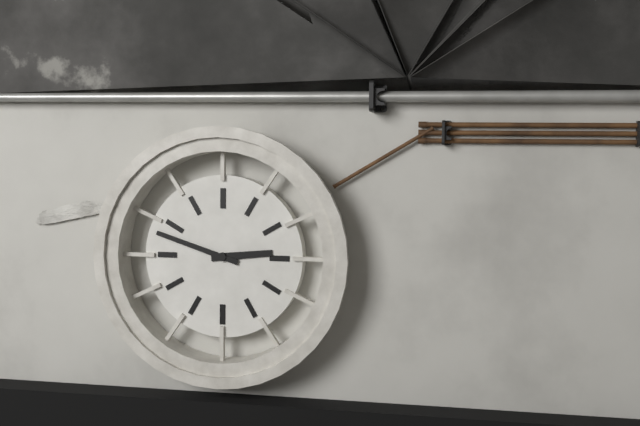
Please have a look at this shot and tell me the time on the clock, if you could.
2:48
